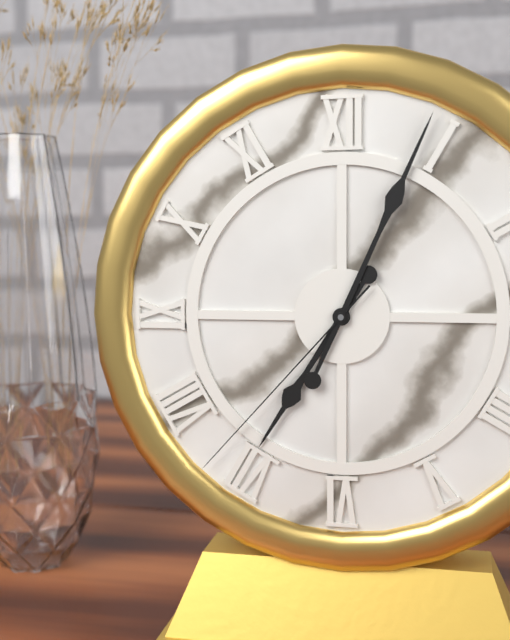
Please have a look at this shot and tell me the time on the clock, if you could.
7:04:37
